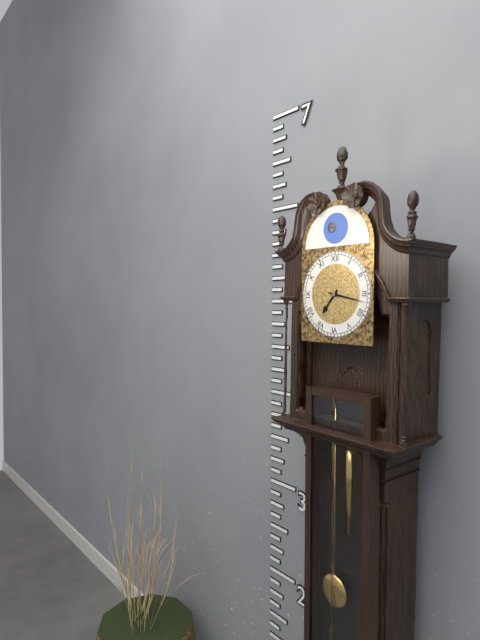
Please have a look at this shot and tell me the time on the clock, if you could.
7:17
